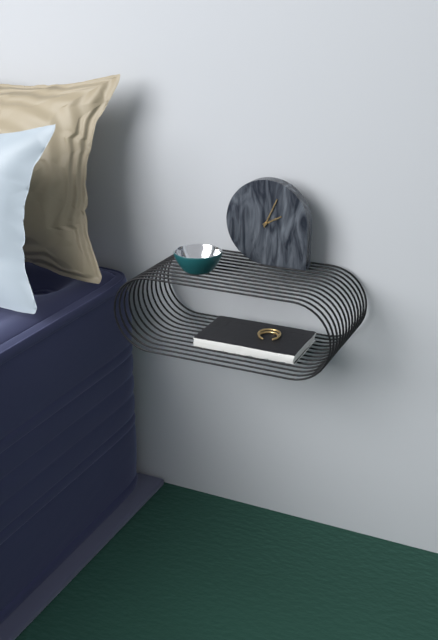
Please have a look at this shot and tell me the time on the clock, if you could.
2:04
